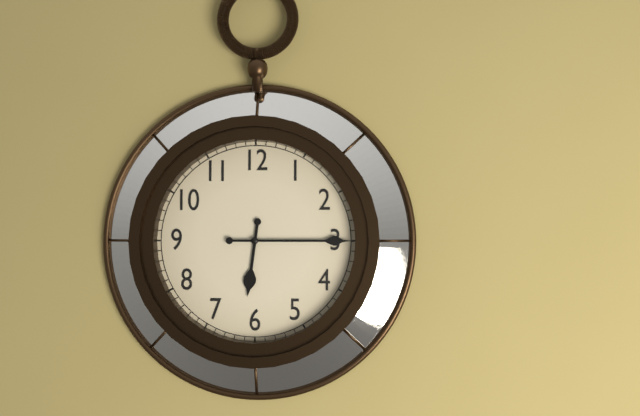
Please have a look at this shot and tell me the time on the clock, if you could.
6:15
